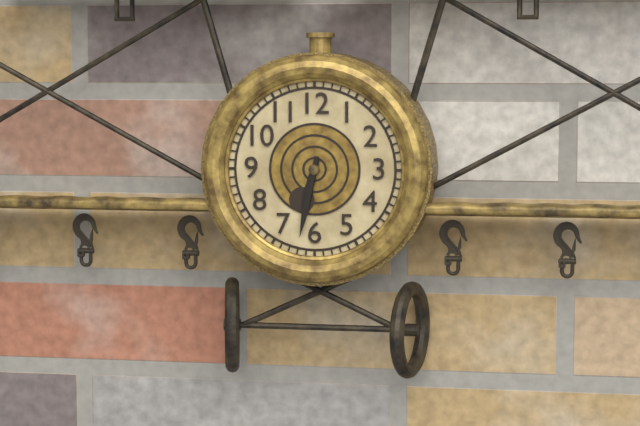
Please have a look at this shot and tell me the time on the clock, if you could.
6:32
